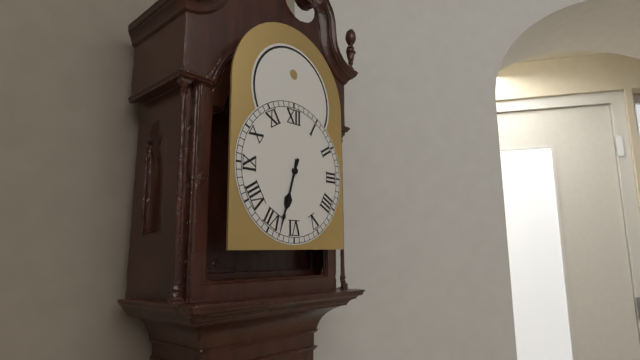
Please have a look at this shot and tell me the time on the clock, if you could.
6:33
